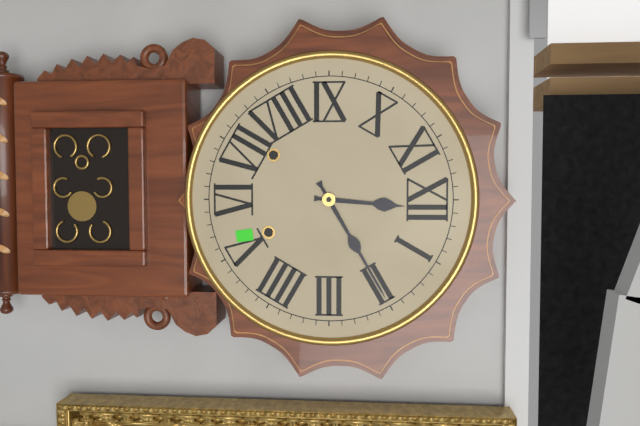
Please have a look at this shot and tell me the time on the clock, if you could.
12:10
